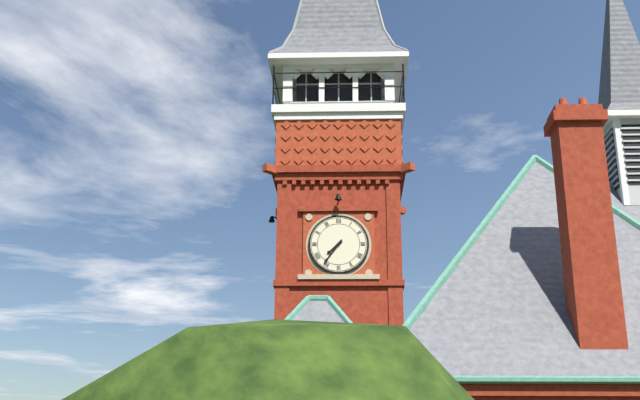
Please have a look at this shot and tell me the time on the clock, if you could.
7:36
